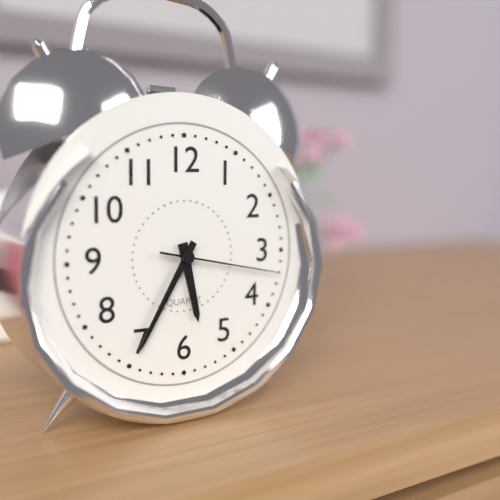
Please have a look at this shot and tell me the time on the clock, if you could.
5:35:17
